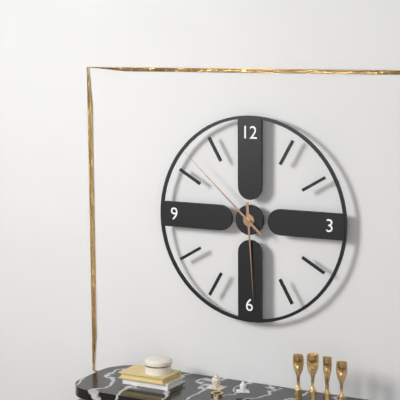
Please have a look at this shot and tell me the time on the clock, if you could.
5:52
